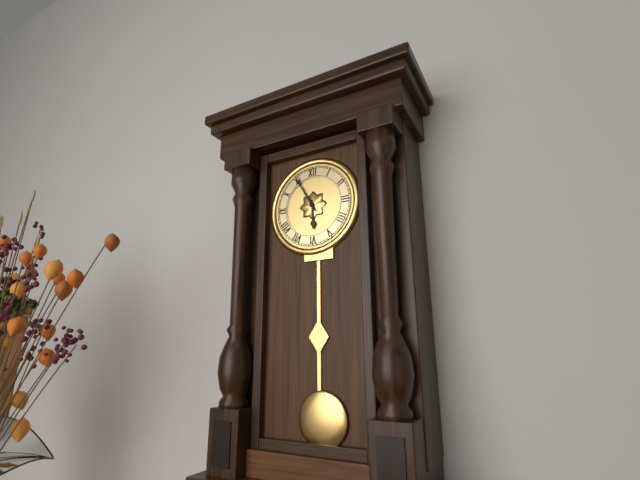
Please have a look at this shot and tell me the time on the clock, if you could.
5:55
